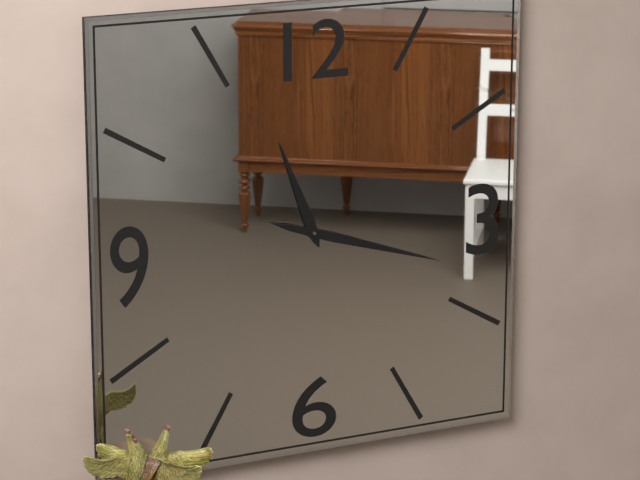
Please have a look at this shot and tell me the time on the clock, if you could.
11:18
